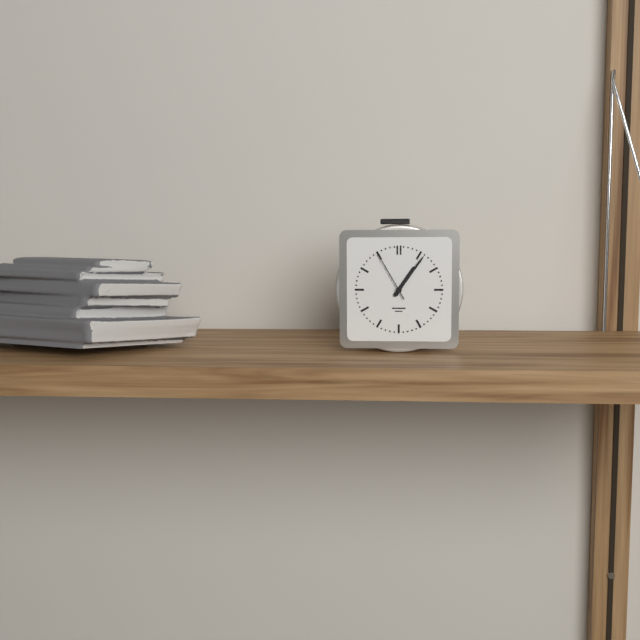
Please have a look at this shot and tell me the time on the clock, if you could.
1:06:55
